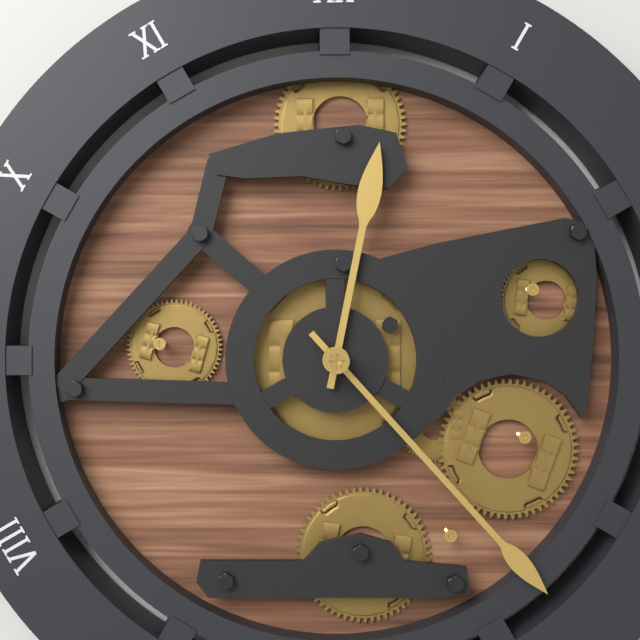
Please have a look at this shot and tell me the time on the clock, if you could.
12:23
